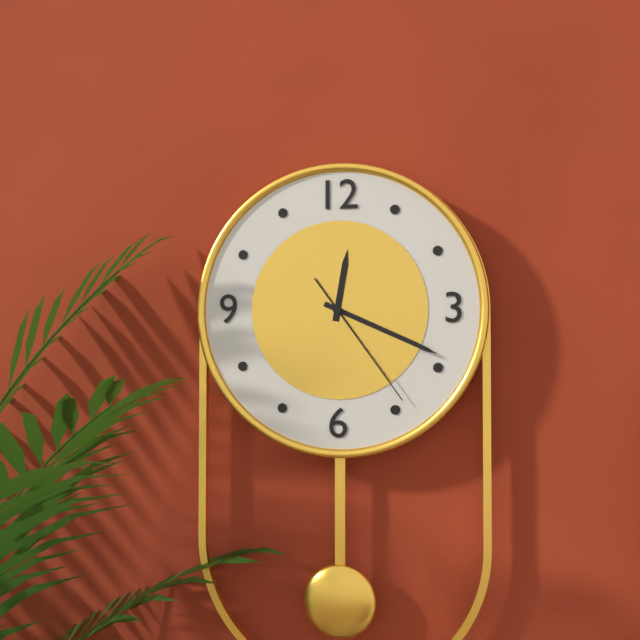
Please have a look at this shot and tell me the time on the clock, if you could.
12:19:24
